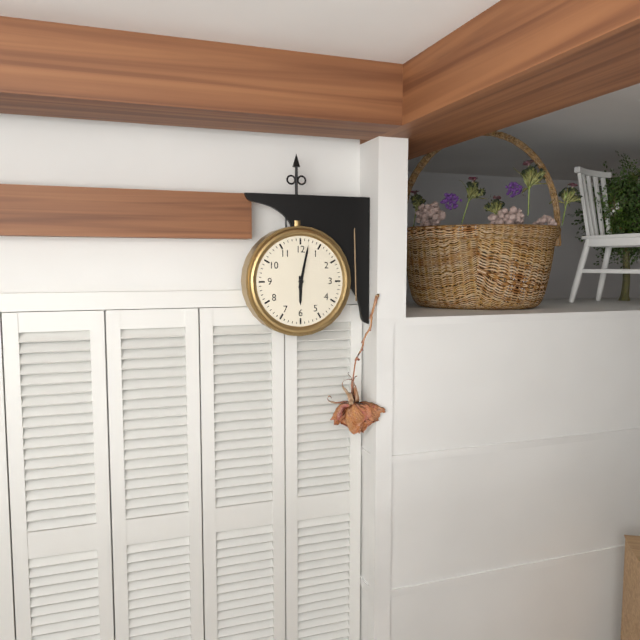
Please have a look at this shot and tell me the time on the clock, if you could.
6:02
